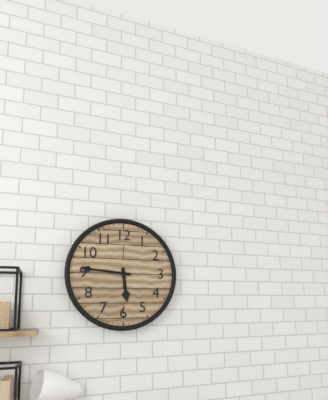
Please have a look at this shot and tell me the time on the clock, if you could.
5:46
